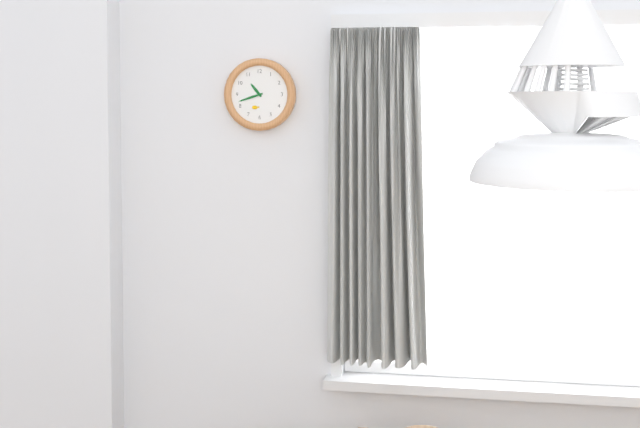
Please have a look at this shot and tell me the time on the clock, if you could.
10:42
